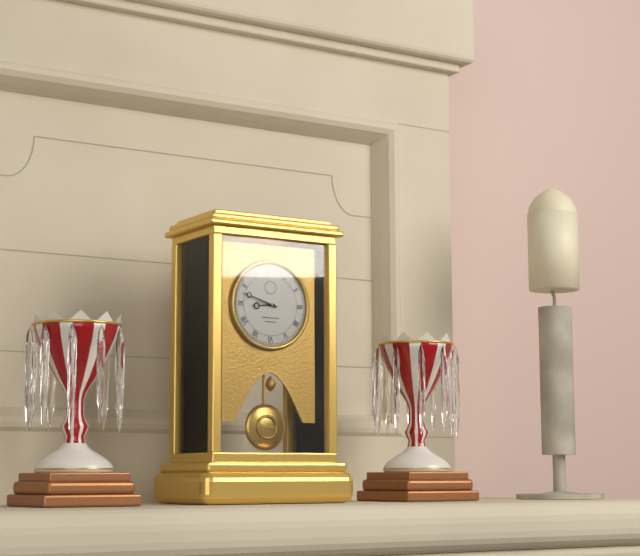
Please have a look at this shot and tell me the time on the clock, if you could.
8:48
